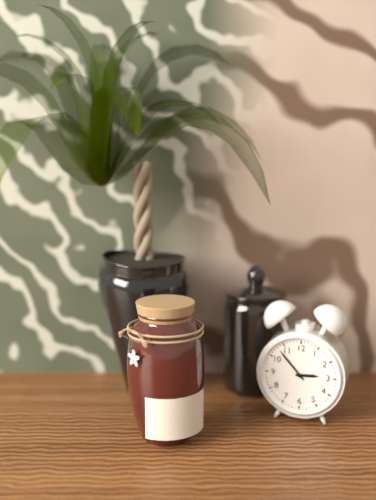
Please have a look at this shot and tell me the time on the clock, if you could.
2:53
